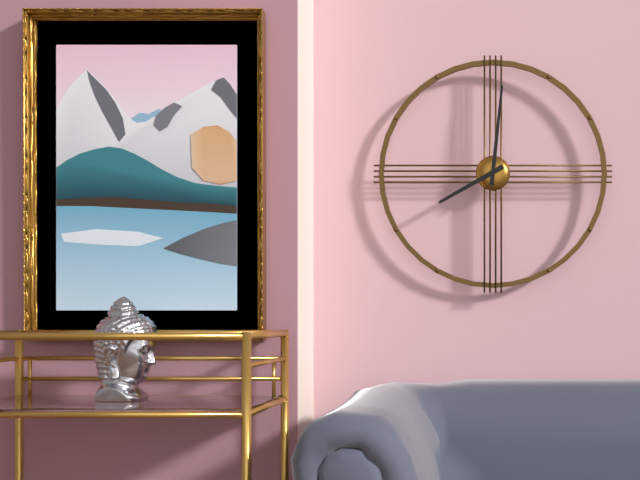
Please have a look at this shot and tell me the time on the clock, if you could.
8:01
